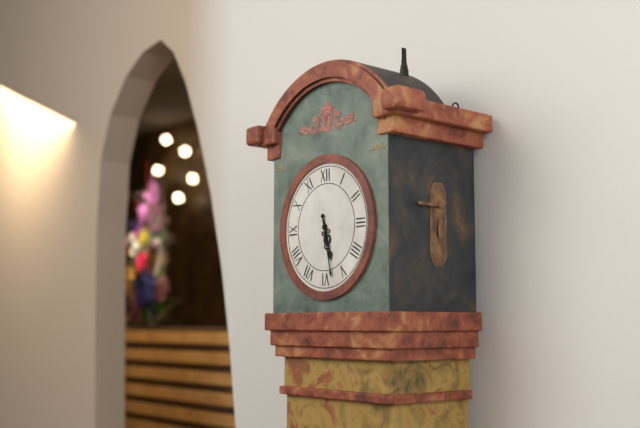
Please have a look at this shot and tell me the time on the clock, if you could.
5:28
